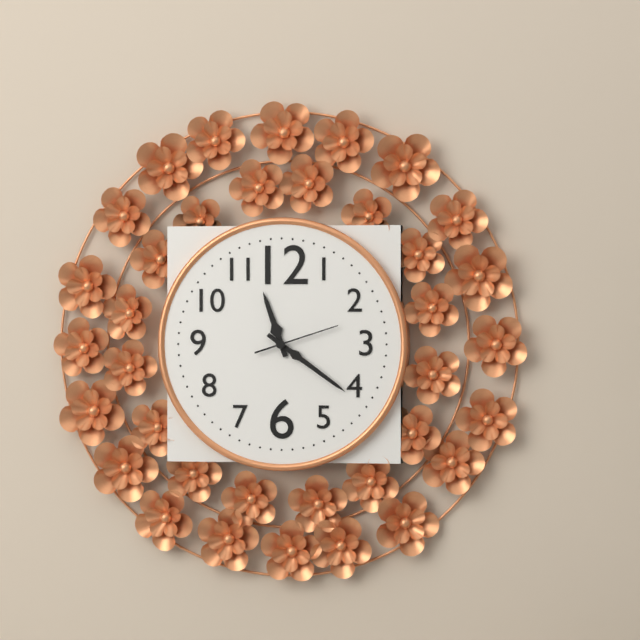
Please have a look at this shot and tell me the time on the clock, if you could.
11:21:12
